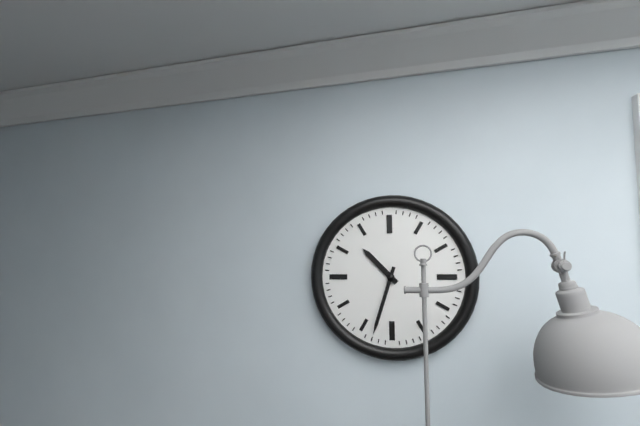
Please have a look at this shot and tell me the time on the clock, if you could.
10:33
